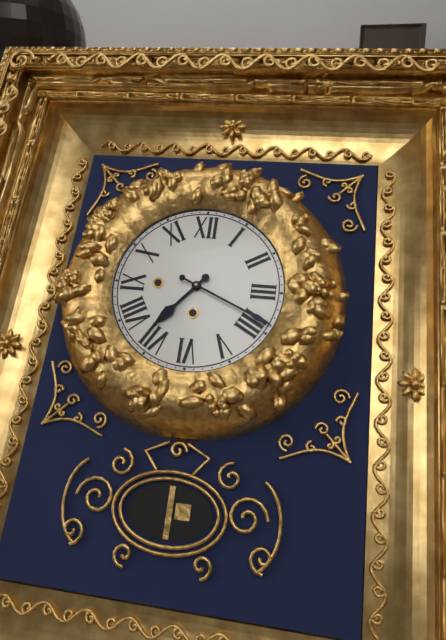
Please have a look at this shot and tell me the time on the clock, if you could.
7:19
